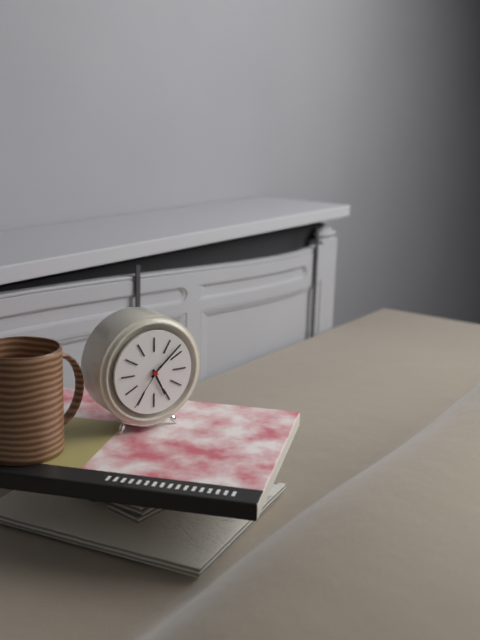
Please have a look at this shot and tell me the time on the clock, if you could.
5:08:36
